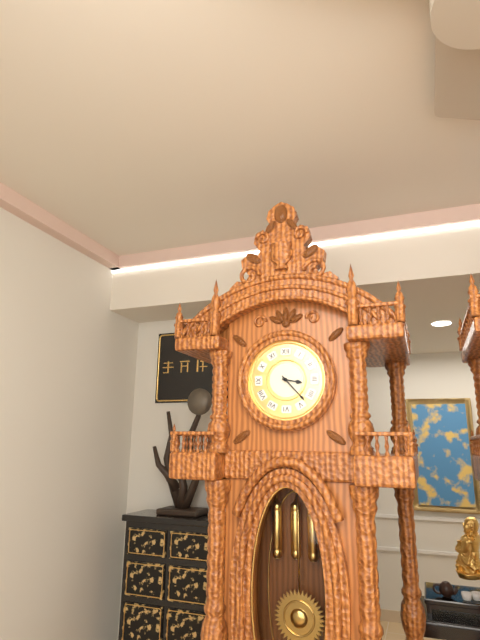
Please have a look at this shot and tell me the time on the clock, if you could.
3:23
